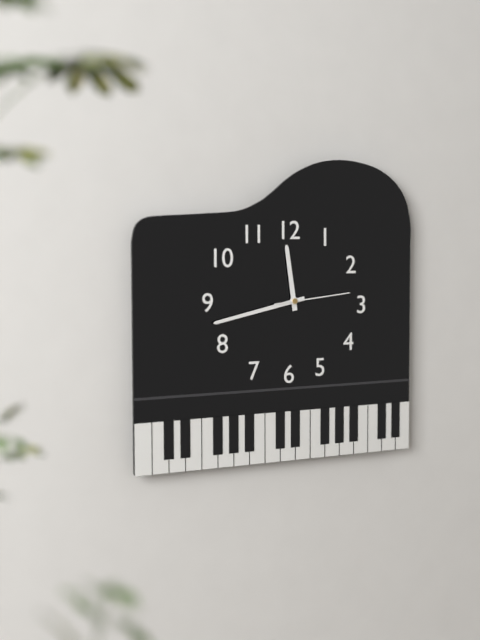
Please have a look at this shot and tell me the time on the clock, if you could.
11:43:14
